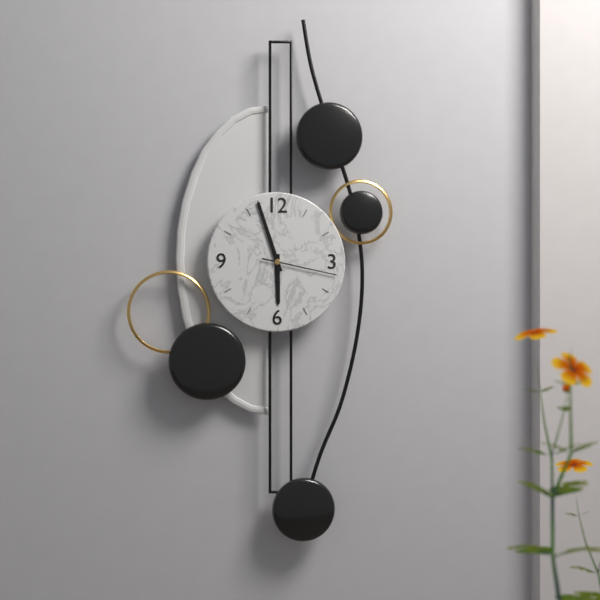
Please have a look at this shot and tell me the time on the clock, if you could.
5:57:17
